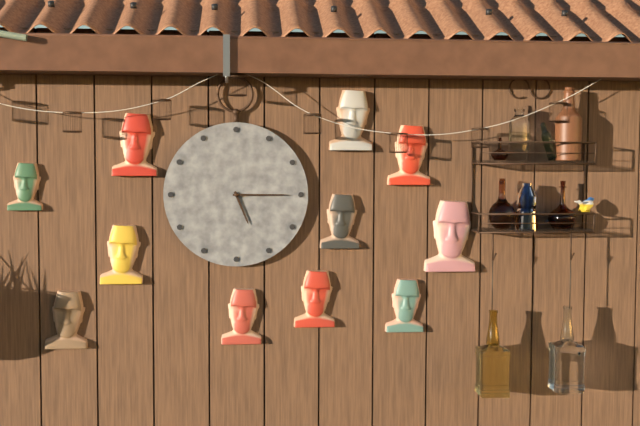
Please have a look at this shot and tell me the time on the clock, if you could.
5:15
